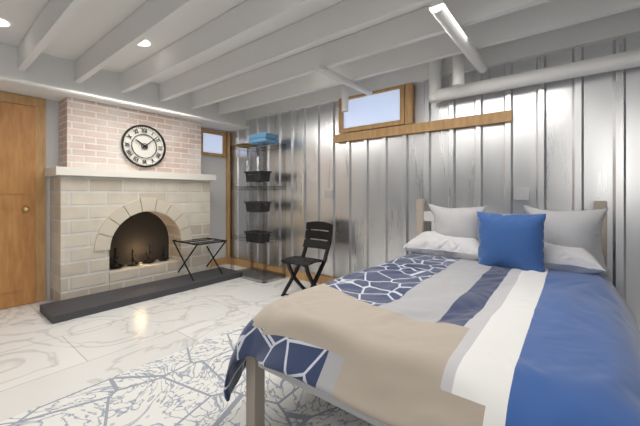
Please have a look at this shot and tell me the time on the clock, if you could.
10:08
